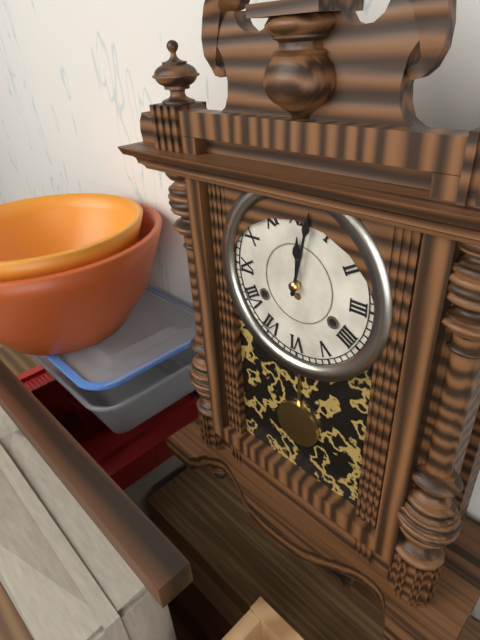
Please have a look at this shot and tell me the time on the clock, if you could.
12:02
